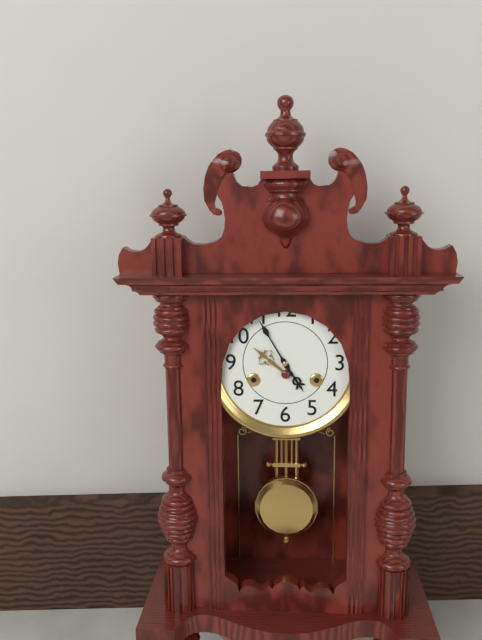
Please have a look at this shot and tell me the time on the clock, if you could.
4:55
